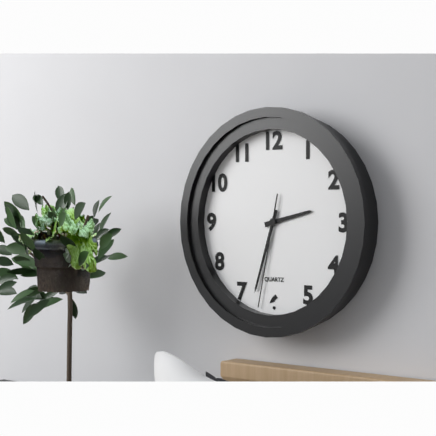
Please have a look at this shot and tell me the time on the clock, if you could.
2:33:32
